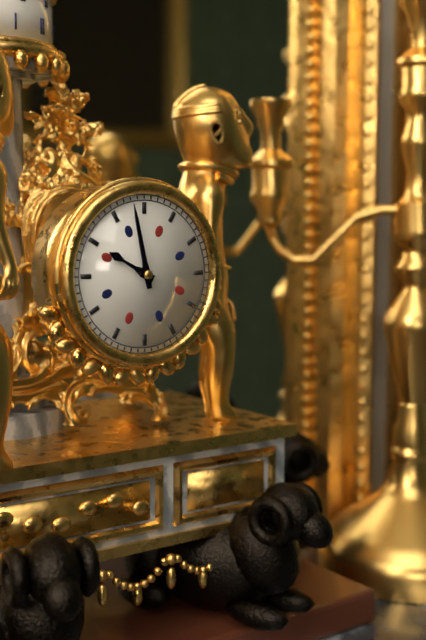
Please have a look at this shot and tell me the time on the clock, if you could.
9:58
